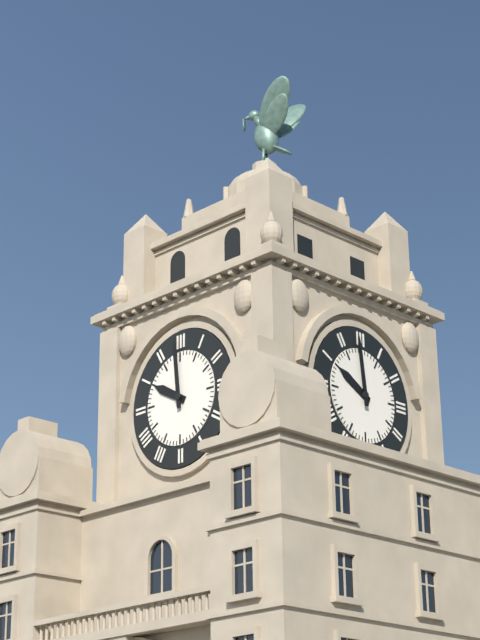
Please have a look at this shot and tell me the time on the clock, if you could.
9:59
